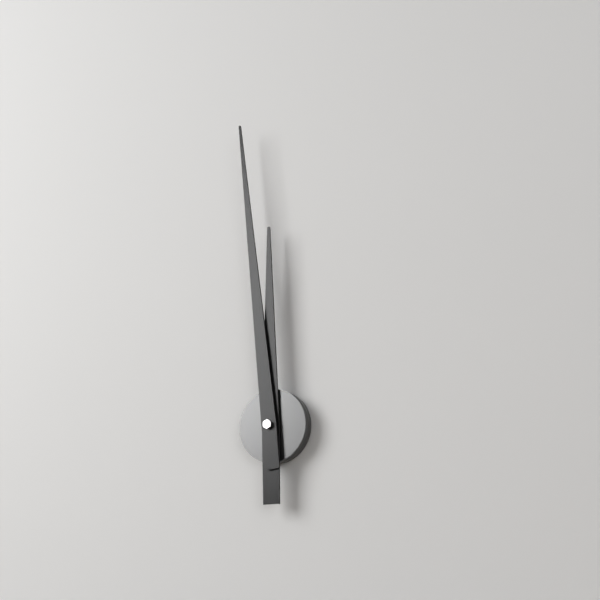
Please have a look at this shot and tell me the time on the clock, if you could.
11:59
